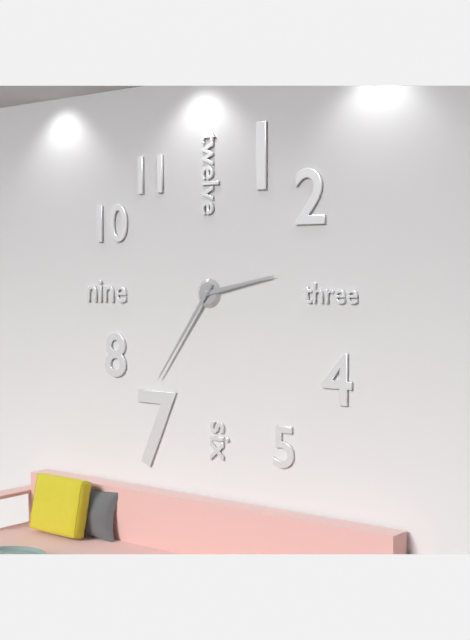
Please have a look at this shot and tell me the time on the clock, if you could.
2:36
